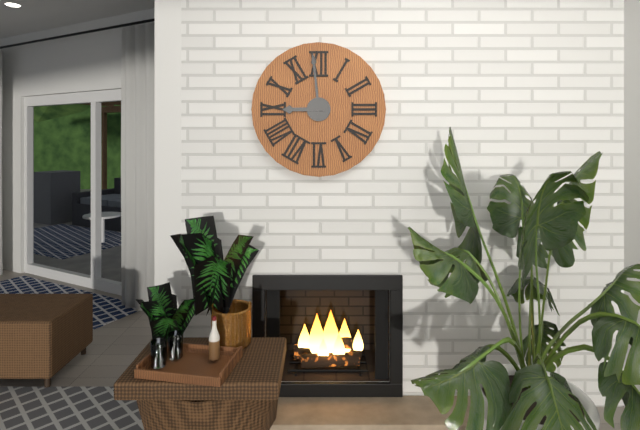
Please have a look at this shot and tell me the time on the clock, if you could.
8:59
